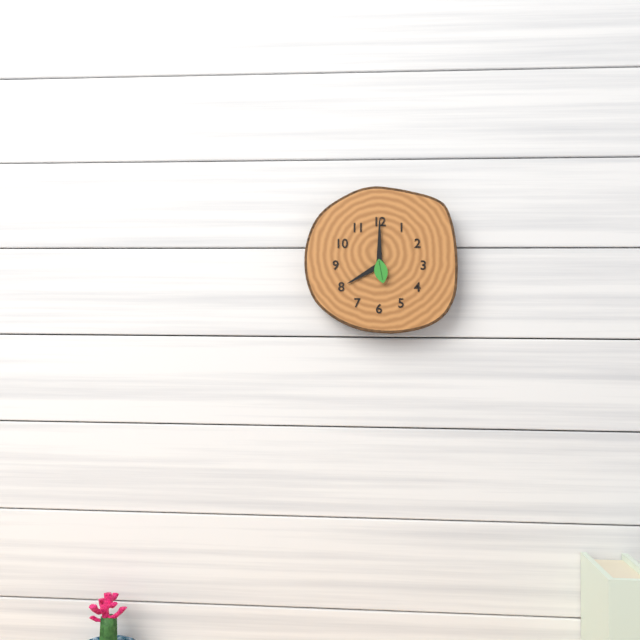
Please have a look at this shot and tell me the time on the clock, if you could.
8:00
